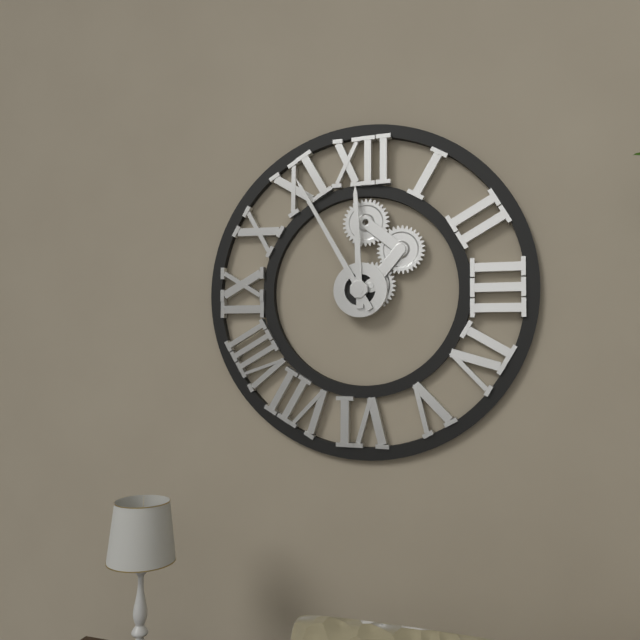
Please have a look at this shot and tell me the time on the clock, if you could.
11:55
